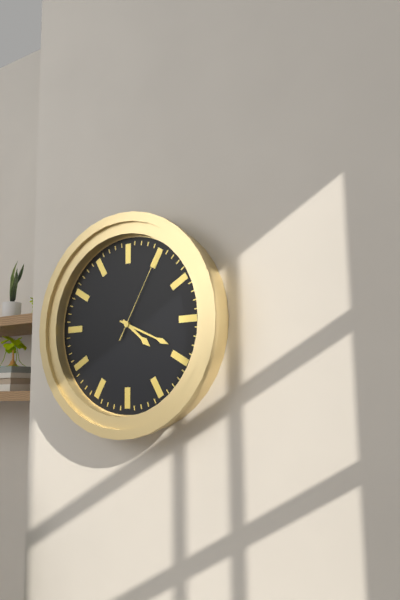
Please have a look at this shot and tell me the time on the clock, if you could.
4:19:05
